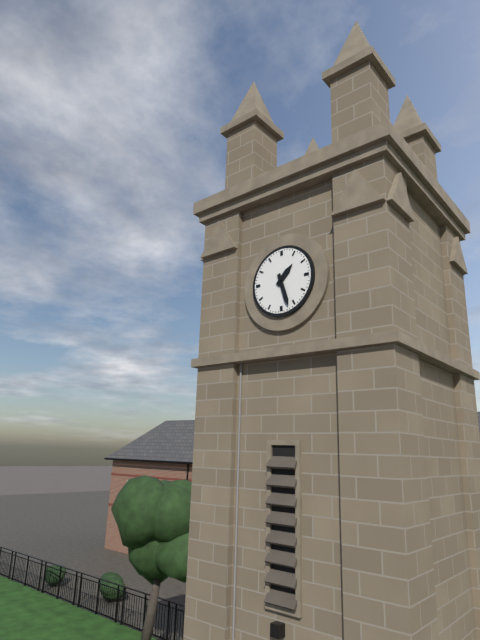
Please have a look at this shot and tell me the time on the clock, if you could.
1:27
